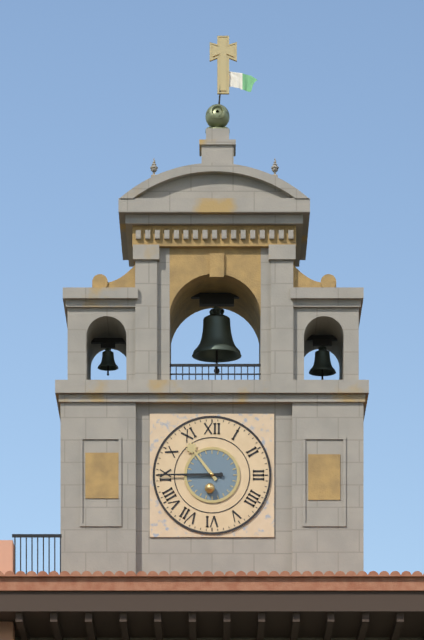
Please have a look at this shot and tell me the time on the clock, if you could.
10:45
